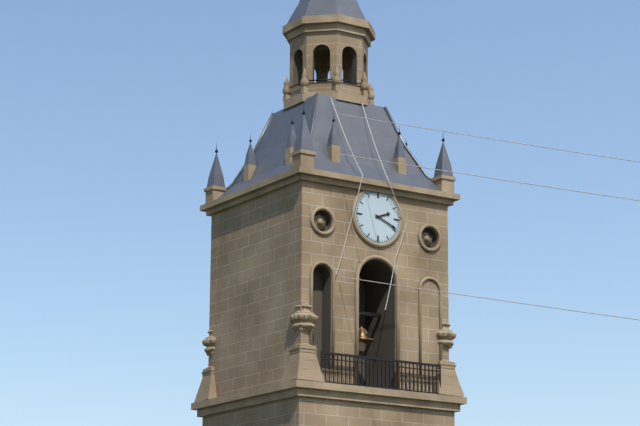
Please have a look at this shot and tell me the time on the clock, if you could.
2:19
